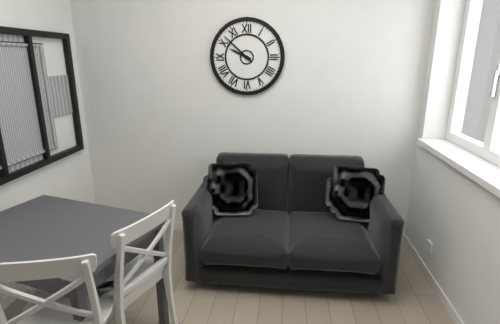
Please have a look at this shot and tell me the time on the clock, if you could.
9:52
